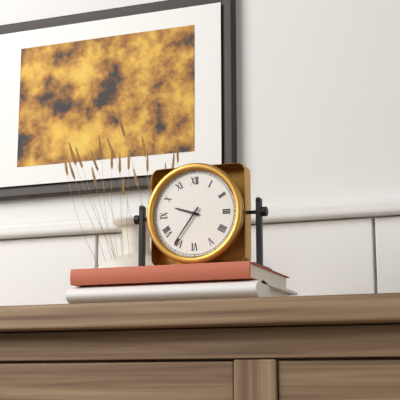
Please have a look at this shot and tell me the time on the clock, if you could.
9:36
